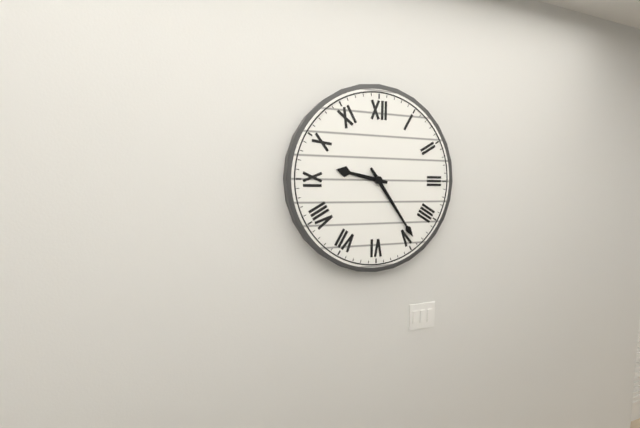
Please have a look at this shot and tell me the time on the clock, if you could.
9:24
